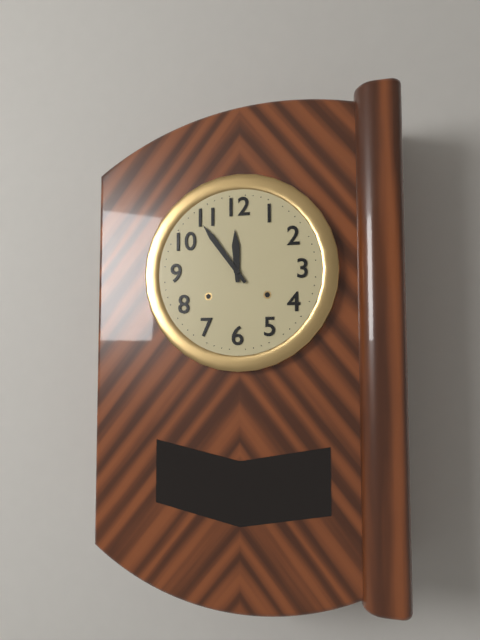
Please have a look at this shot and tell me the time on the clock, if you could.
11:54
